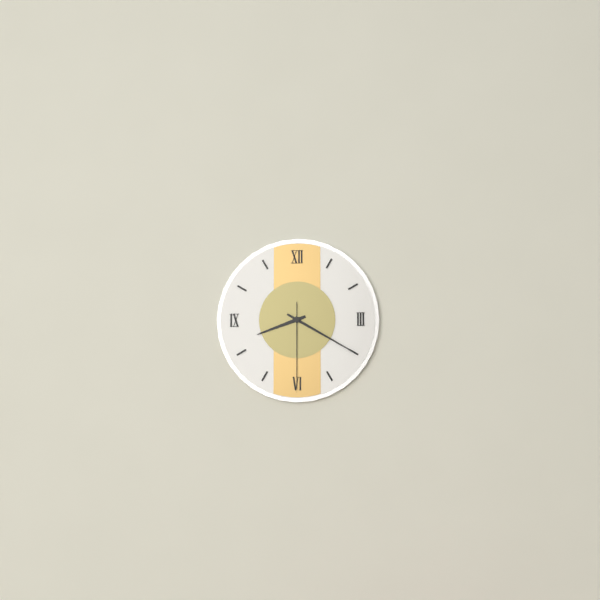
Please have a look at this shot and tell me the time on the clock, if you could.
8:20:30
